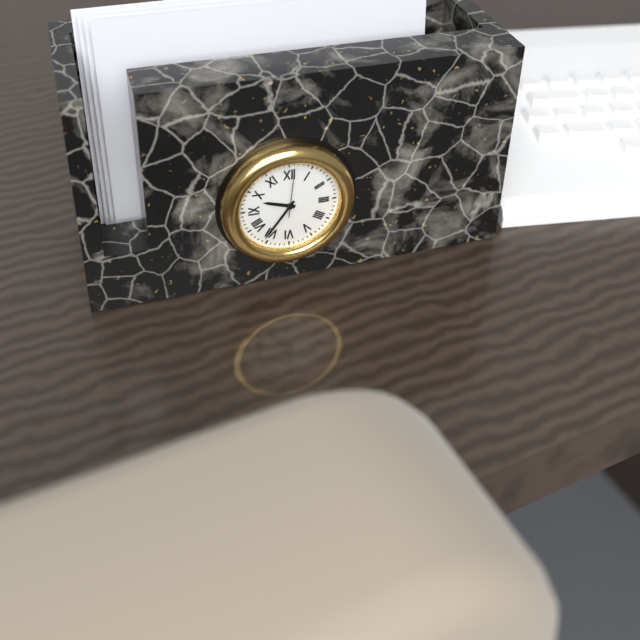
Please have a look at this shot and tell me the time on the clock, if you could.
9:36
